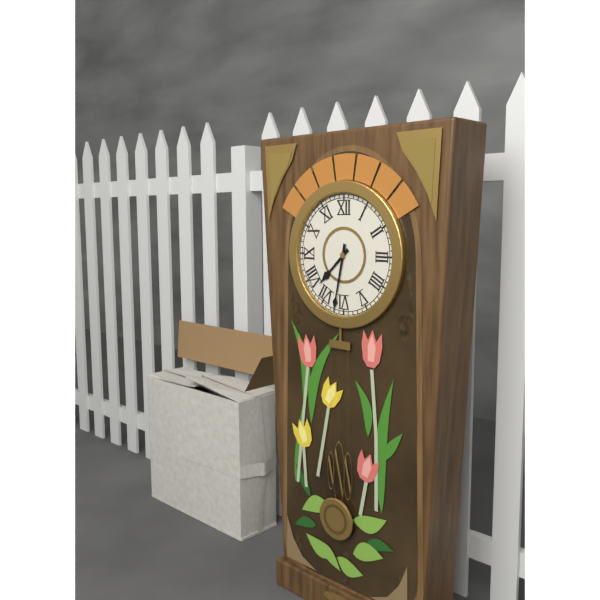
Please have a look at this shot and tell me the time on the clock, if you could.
7:32
